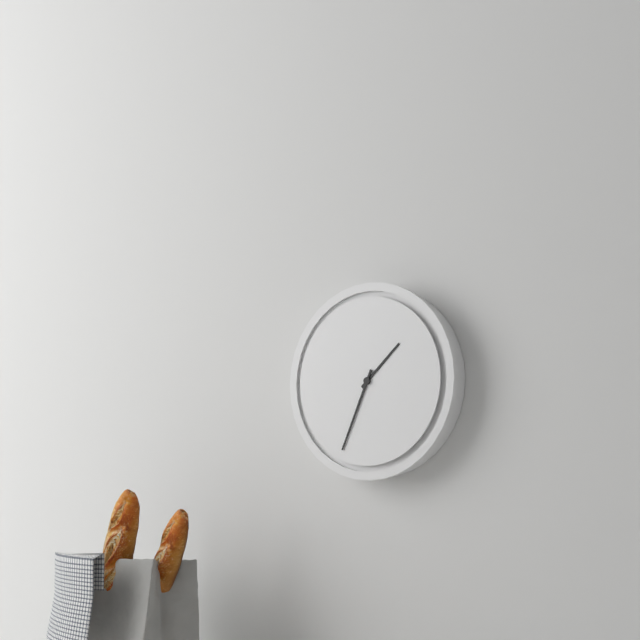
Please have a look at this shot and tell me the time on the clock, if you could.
1:34
